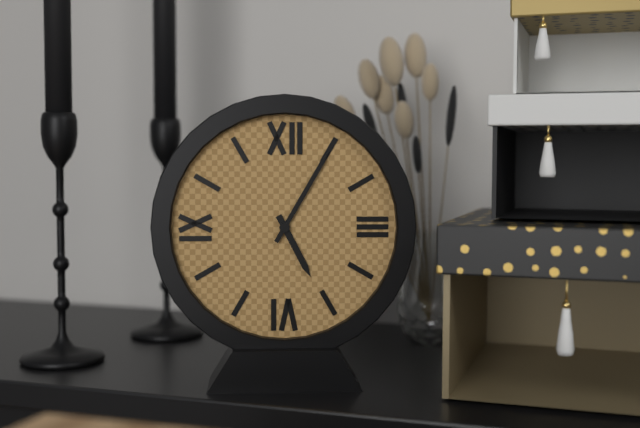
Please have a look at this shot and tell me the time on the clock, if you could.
5:05
